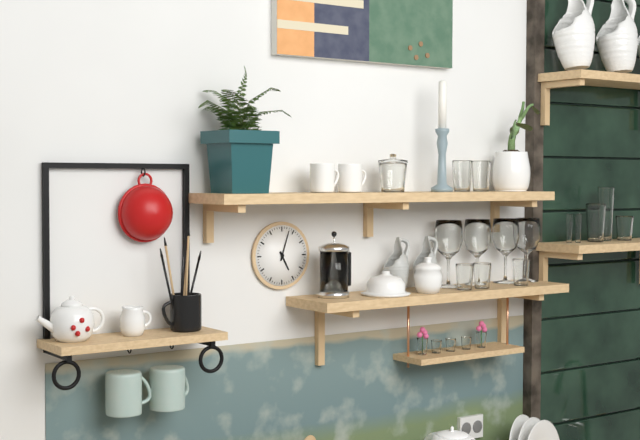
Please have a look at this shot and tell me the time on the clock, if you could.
5:03
